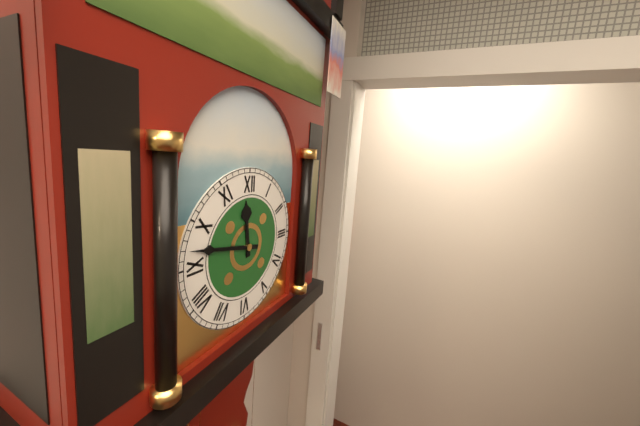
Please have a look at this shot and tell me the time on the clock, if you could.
11:47
